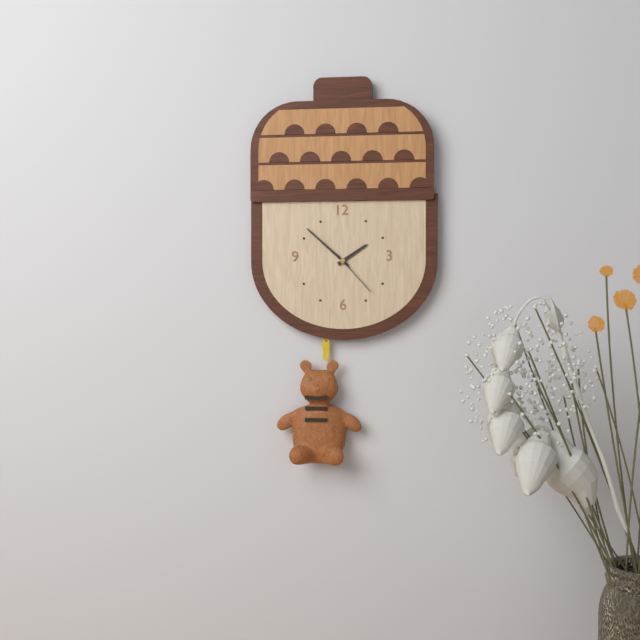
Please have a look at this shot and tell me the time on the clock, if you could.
1:52
